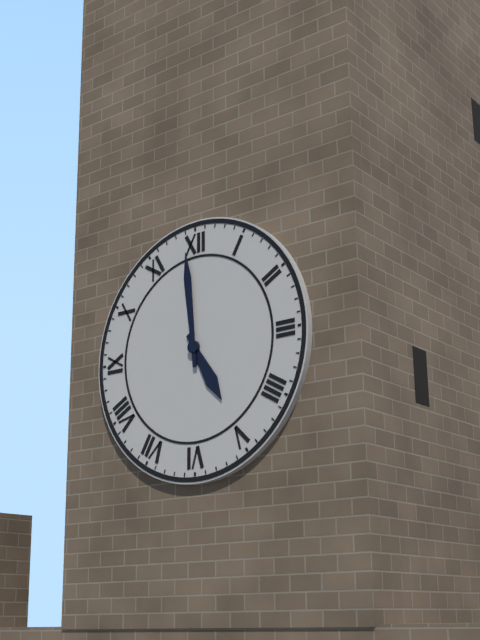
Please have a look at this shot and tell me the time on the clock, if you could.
4:59
